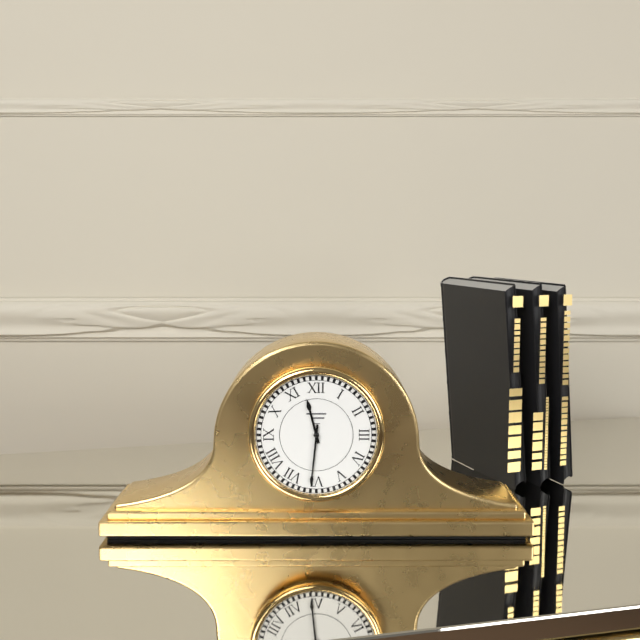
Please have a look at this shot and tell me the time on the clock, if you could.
11:31
